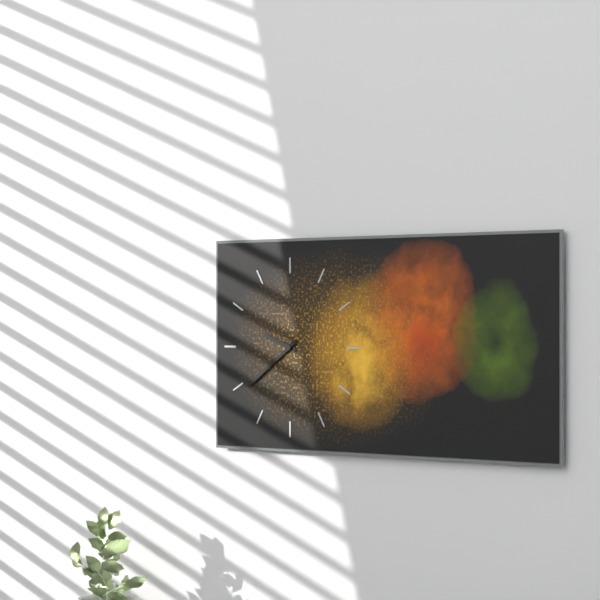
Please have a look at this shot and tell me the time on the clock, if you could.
9:39
